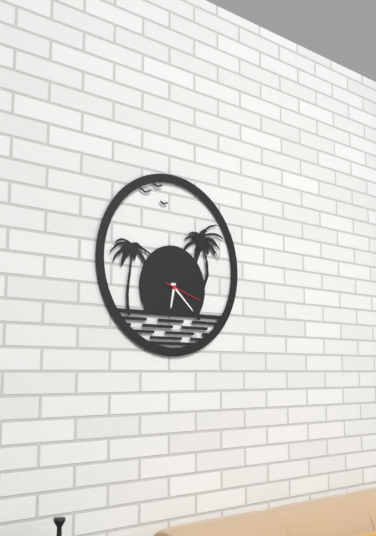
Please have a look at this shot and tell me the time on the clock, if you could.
6:22
